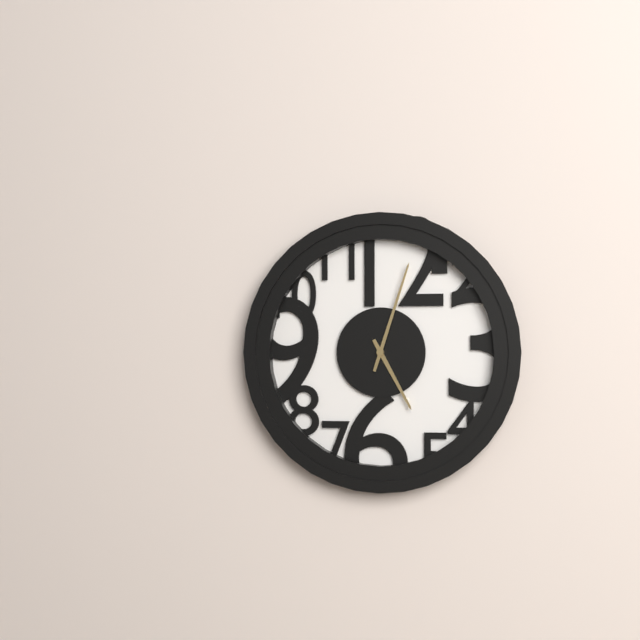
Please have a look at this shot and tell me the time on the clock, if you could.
5:03
